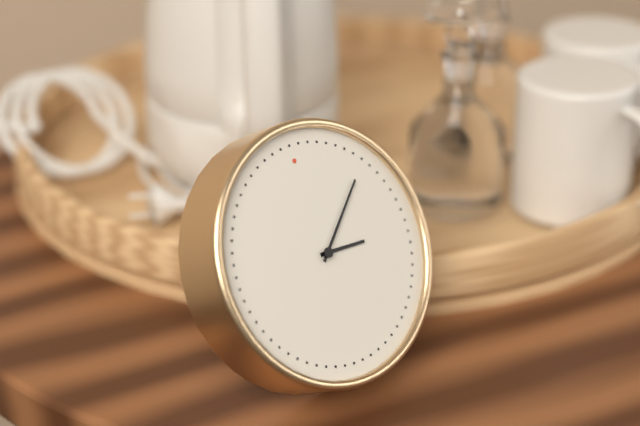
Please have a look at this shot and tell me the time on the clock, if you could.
3:08
